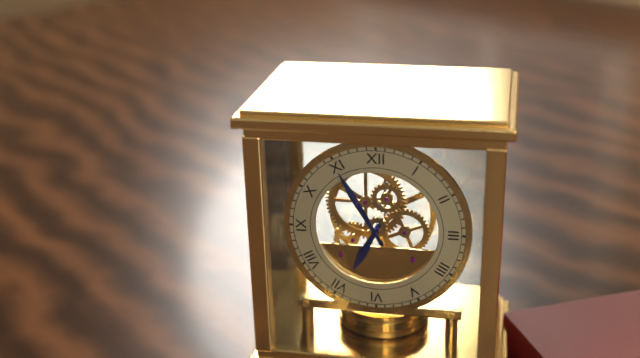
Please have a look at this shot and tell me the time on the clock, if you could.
6:55
